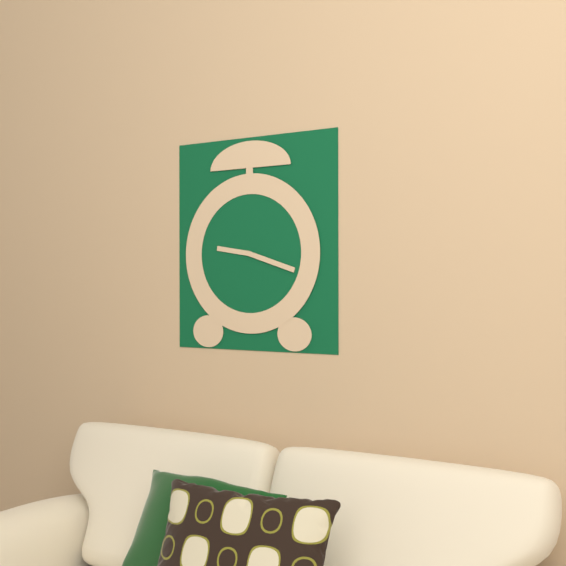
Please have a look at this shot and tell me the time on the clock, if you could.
9:18
